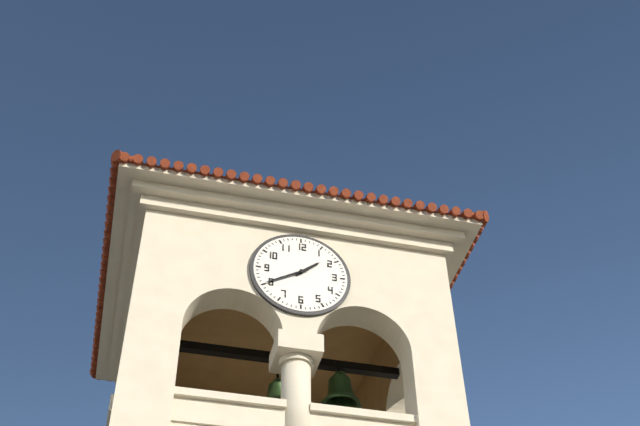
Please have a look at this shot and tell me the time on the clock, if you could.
1:40
